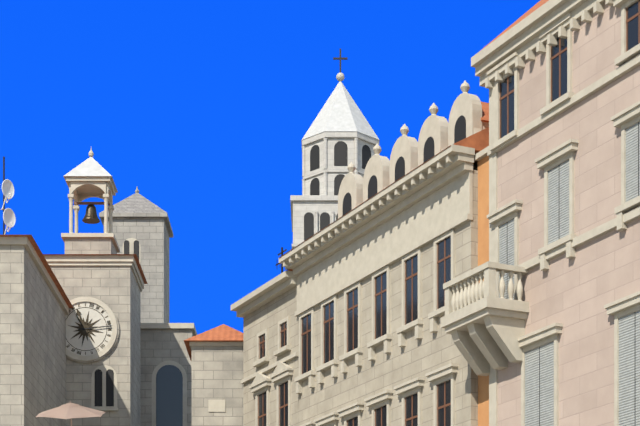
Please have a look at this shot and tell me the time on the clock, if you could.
11:14
